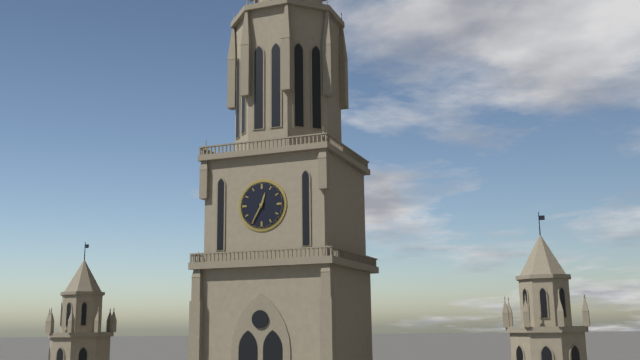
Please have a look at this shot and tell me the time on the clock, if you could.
12:35
